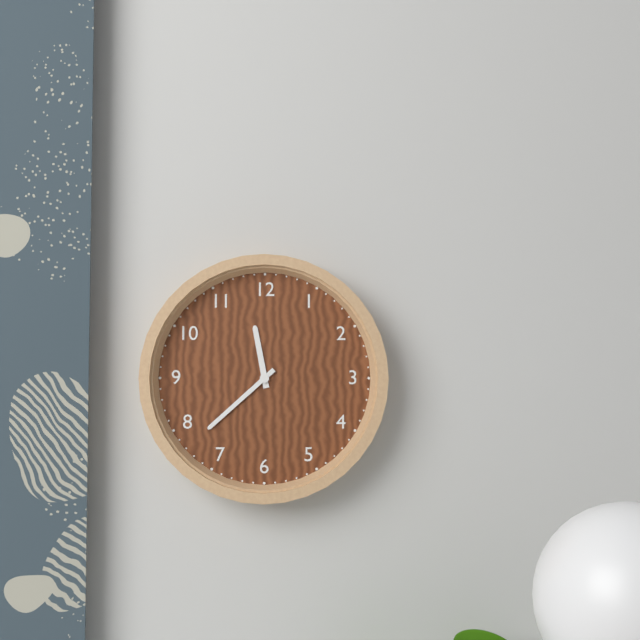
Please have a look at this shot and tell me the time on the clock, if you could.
11:38
